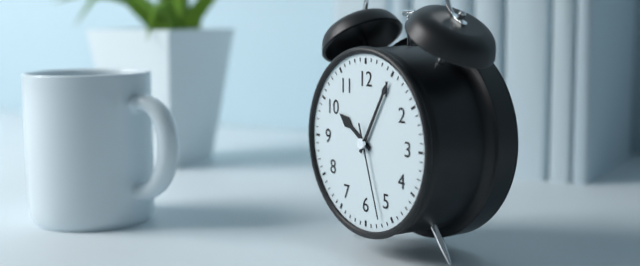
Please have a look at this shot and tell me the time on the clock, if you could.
10:05:27
